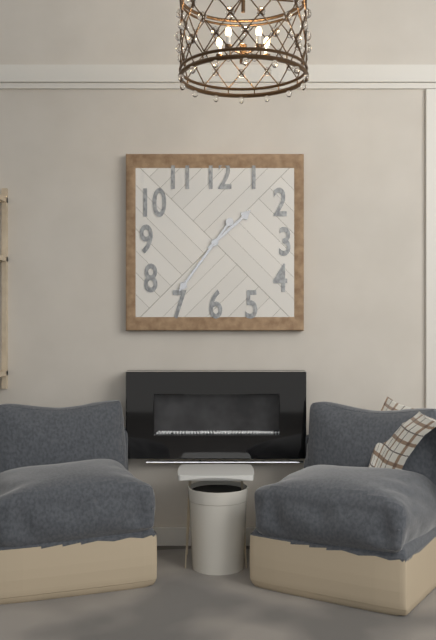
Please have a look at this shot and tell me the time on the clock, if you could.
1:36
